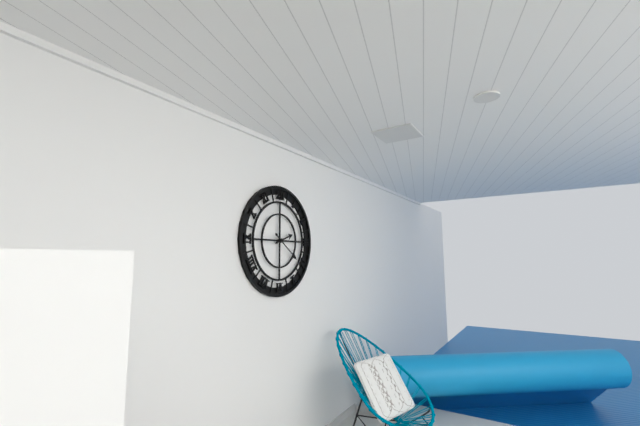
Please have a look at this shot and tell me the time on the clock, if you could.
2:21
